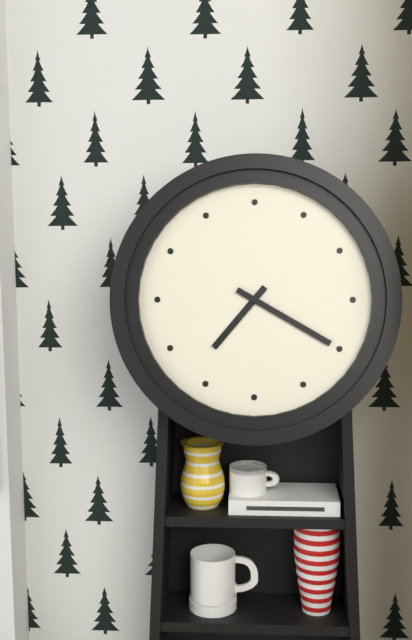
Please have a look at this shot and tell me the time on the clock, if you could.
7:20
